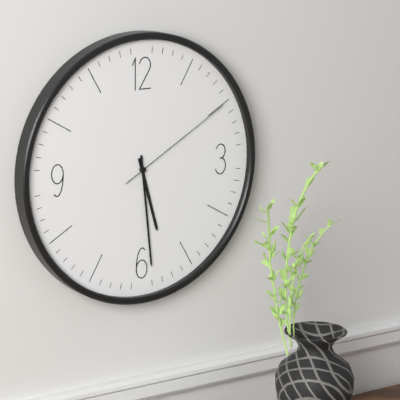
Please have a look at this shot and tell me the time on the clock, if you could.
5:29:10
